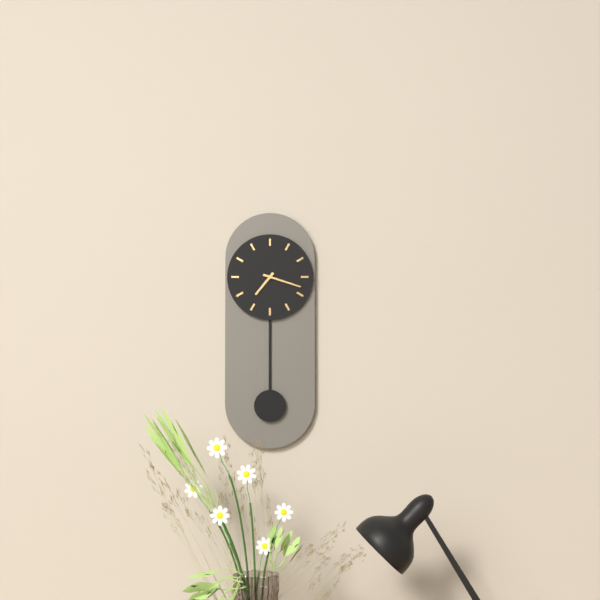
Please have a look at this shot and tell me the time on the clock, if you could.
7:18
